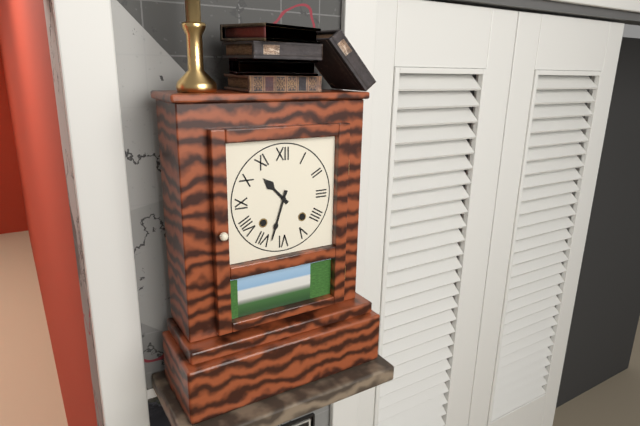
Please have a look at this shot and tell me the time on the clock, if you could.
10:33
